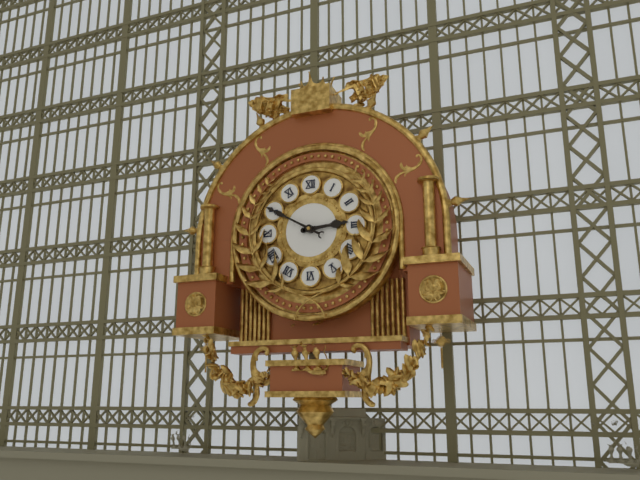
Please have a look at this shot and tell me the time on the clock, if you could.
2:50
